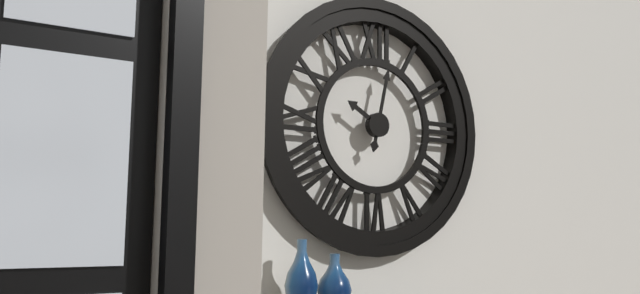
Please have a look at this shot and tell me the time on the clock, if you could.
10:02
